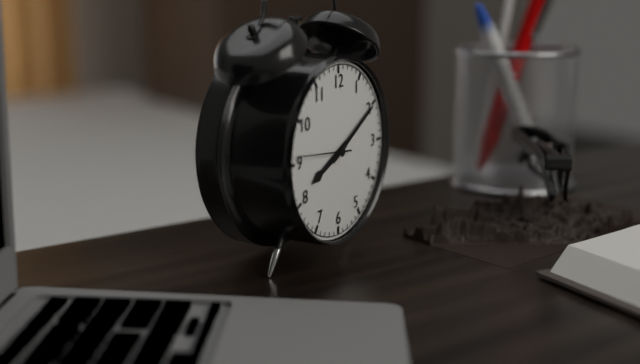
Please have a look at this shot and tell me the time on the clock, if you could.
8:10:46
